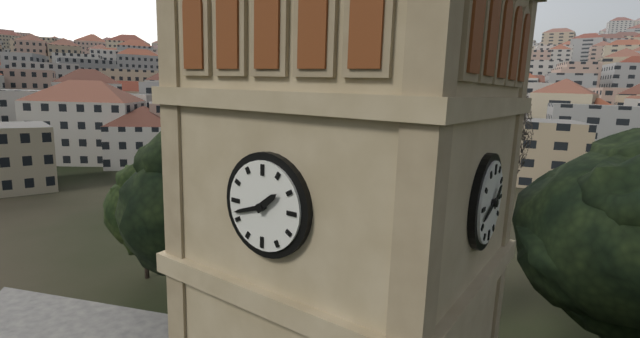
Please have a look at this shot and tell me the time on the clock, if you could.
1:42
